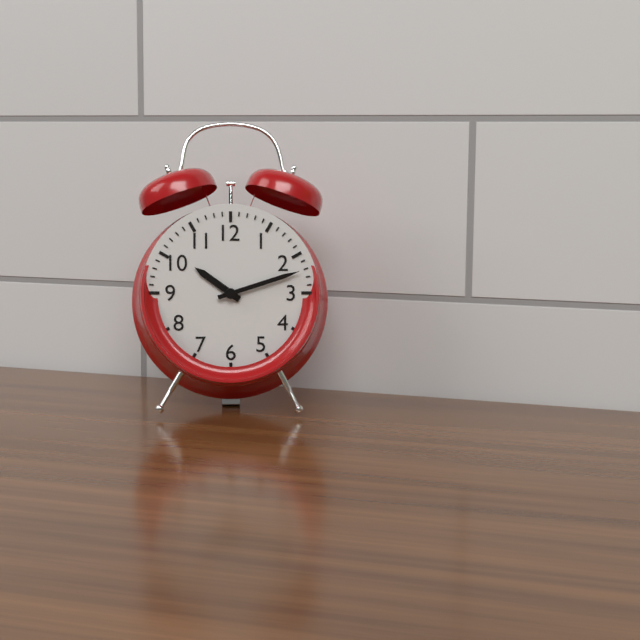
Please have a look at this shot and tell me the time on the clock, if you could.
10:12
